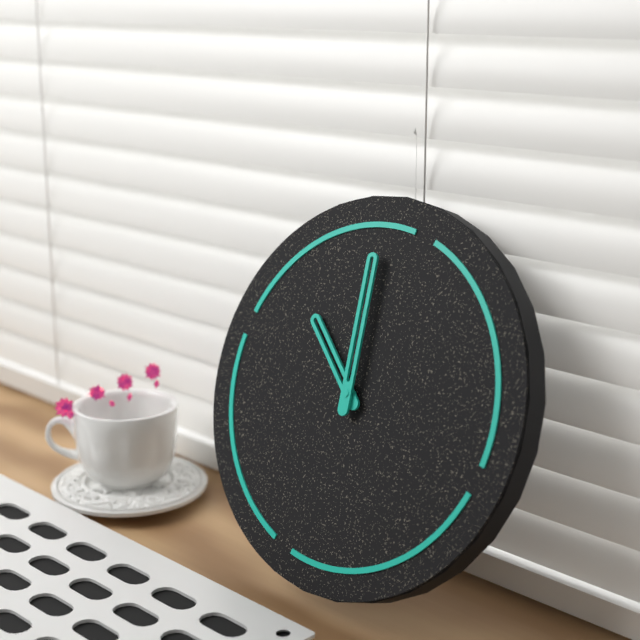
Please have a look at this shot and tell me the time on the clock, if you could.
9:57
